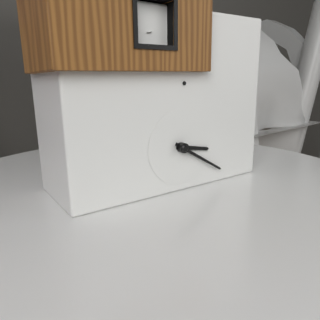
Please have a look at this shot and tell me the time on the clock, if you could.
3:20
